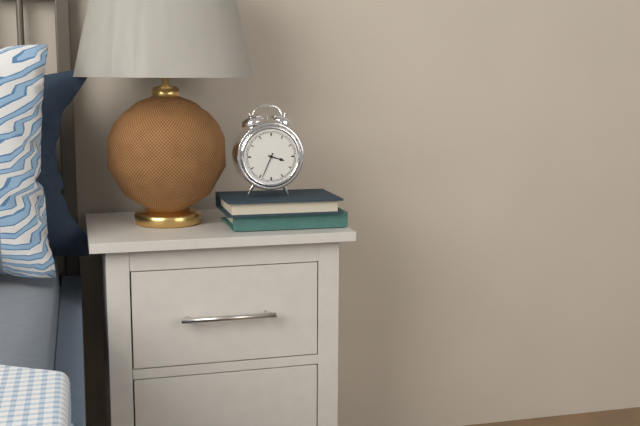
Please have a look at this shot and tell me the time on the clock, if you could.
3:34
